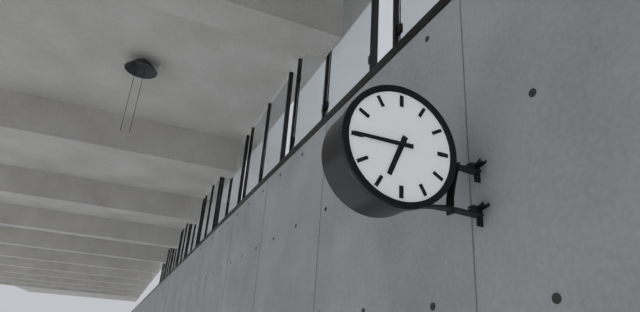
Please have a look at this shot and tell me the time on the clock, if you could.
6:45
